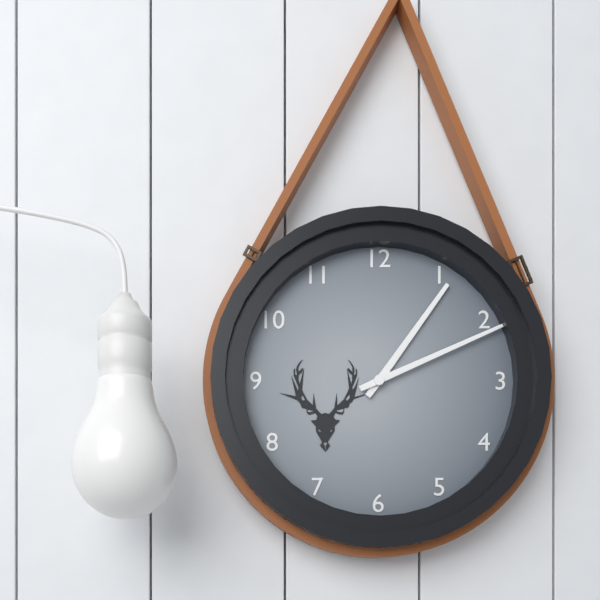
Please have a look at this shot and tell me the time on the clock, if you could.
1:11
